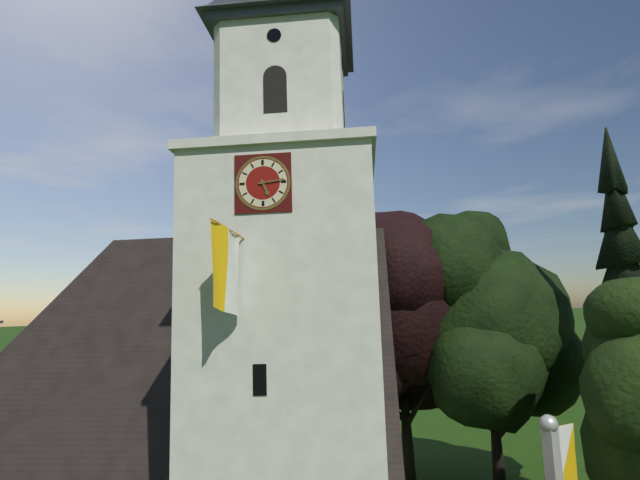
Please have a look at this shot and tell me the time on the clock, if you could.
5:14
